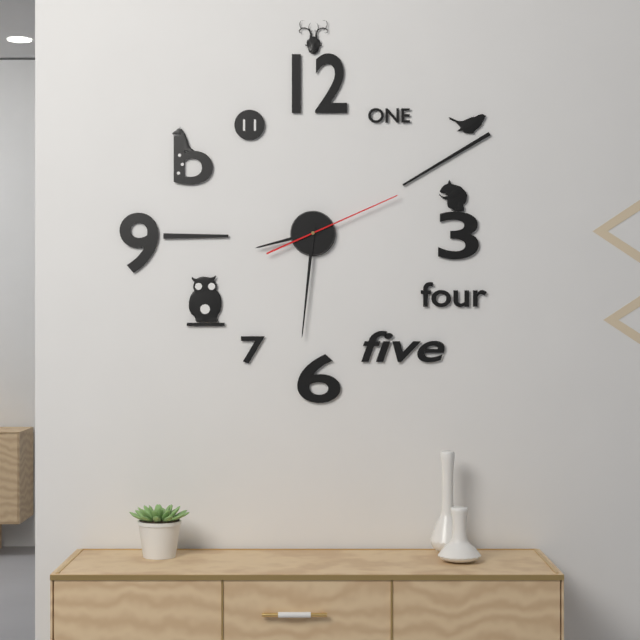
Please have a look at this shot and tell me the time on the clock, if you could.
8:31:11
